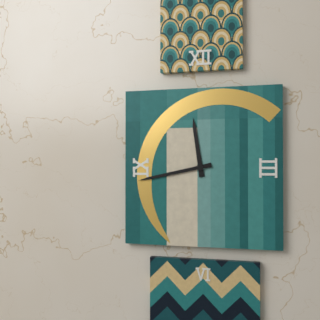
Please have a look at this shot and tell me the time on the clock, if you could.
11:43
